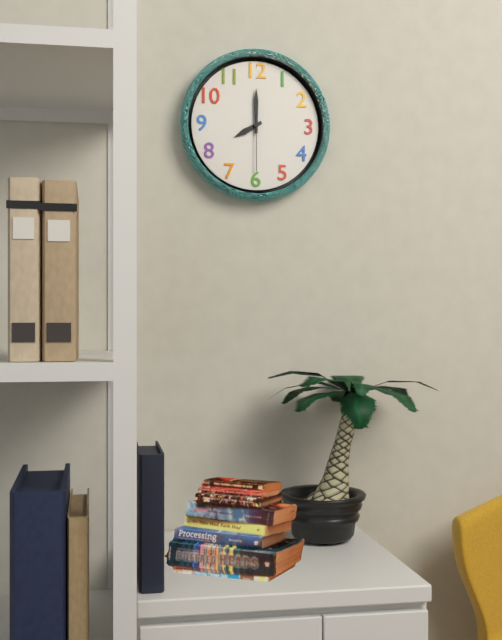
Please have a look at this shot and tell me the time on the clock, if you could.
8:00:30
